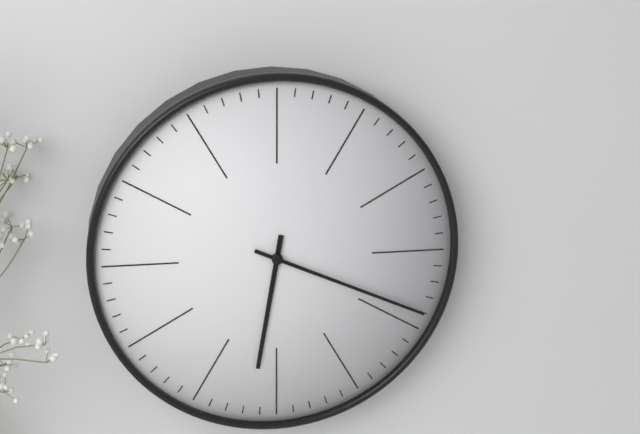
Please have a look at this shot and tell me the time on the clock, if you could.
6:19
